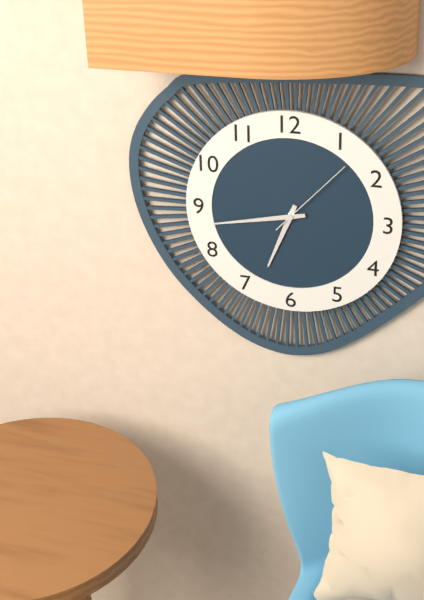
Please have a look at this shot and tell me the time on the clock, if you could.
6:43:07
